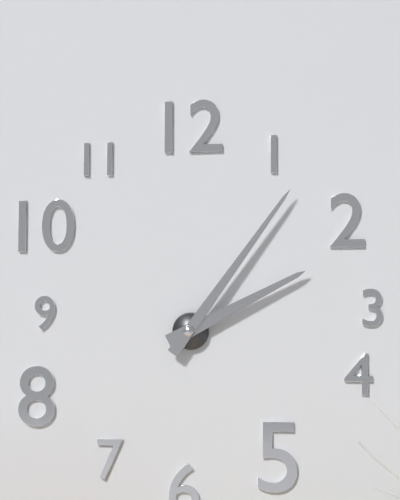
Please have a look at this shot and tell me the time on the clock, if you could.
2:06
